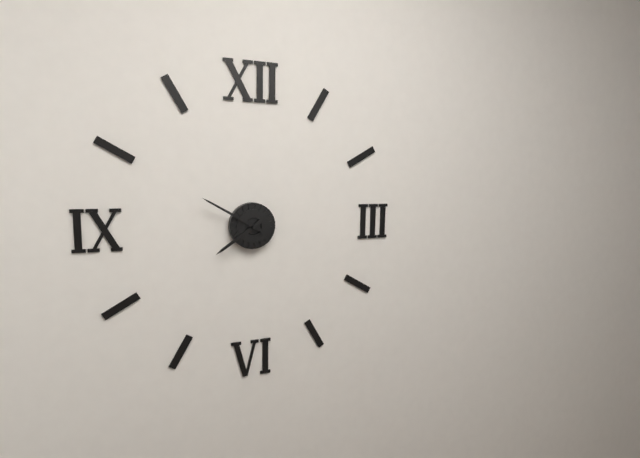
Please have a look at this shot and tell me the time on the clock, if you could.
7:50
